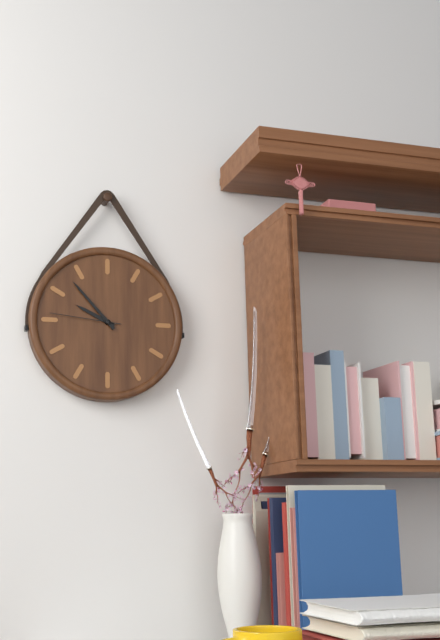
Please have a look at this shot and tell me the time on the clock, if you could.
9:53:46
